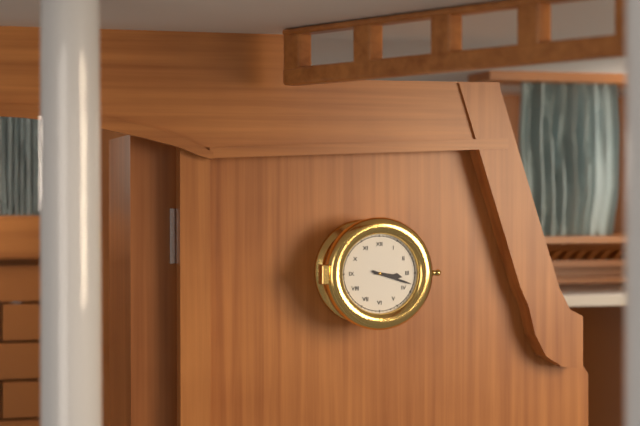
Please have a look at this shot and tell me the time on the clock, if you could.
3:18
